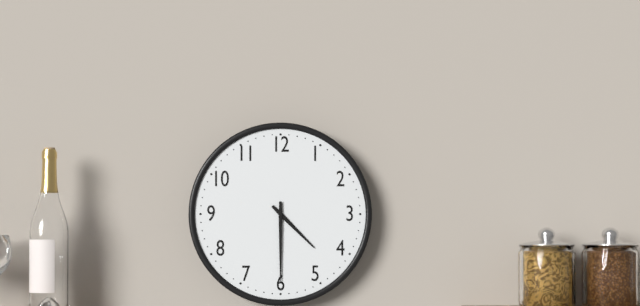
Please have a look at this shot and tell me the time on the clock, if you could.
4:30
